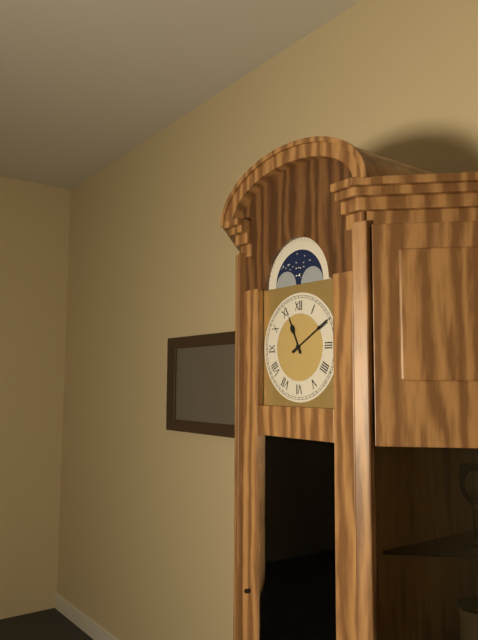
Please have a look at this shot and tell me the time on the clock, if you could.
11:10
